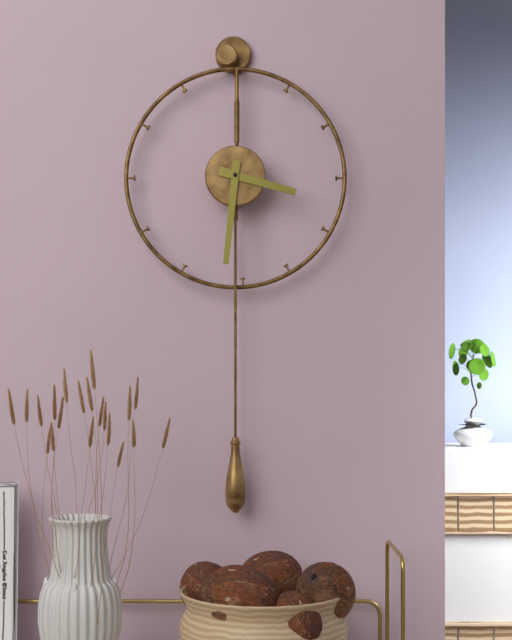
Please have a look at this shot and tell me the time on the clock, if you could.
3:31
